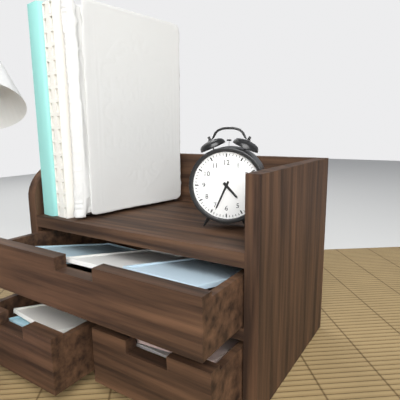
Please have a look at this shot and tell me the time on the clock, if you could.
4:34
